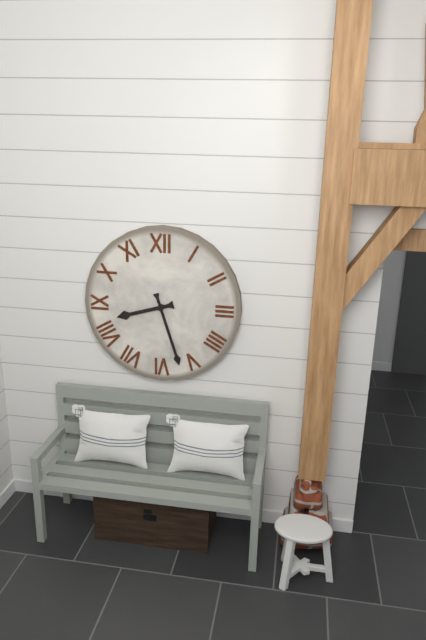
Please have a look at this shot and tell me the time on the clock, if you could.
8:27
